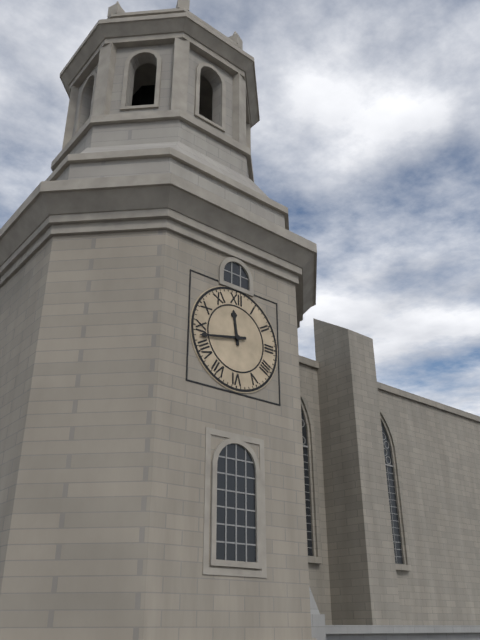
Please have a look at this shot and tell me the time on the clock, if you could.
11:43
